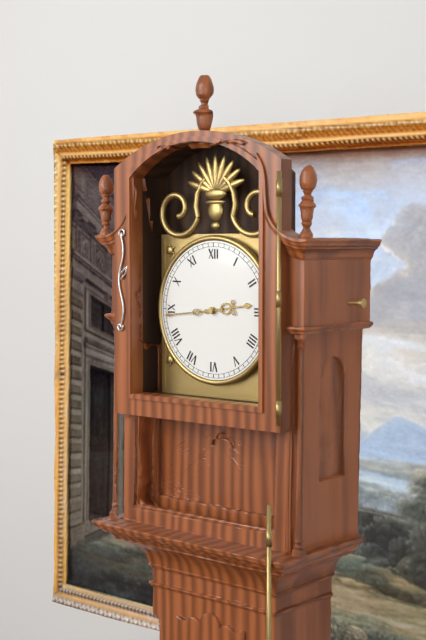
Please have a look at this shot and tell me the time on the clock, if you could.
2:44
